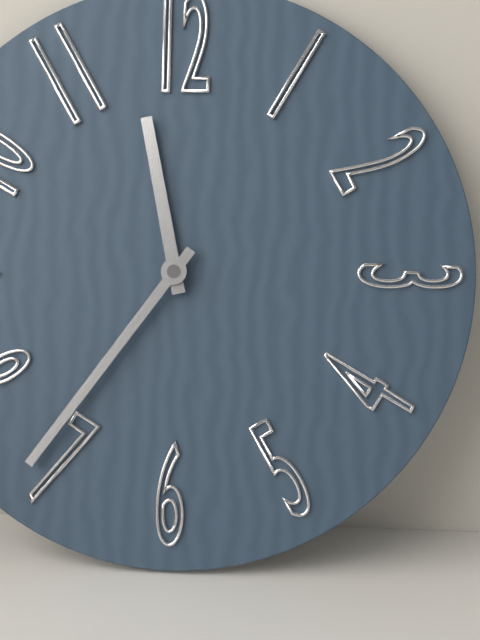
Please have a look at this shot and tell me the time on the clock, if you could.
11:36
